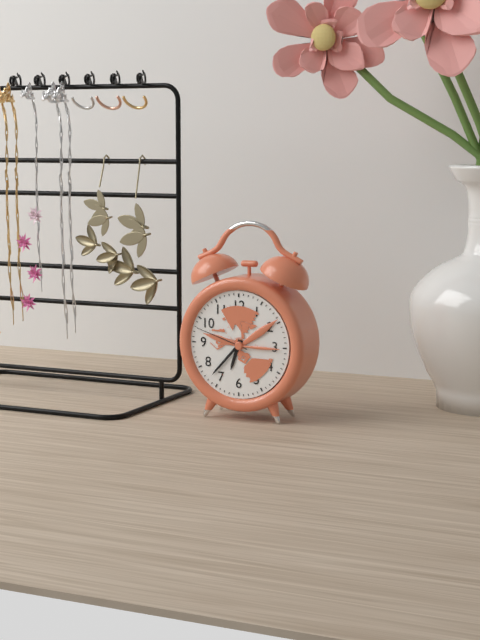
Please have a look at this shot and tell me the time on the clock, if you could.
6:37:48
